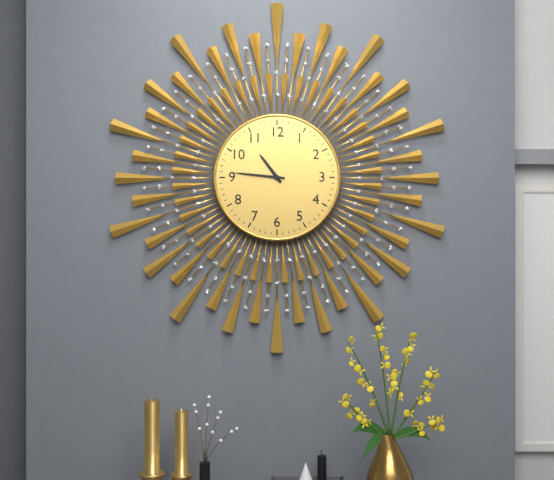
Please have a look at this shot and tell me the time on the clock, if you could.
10:46
